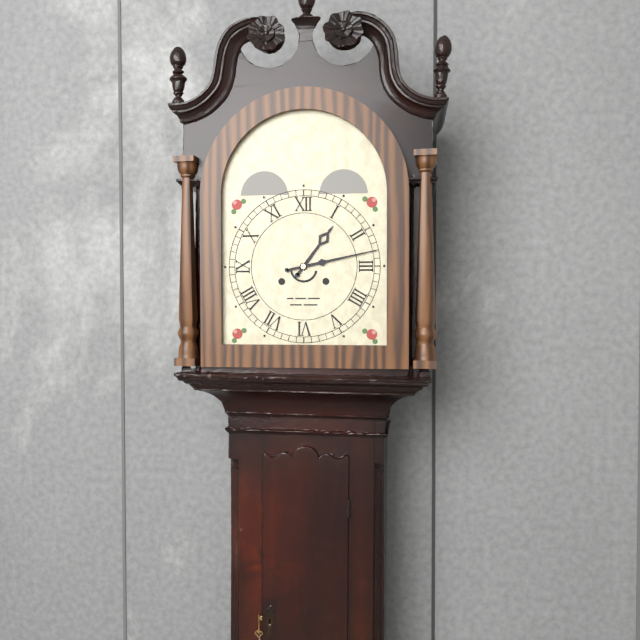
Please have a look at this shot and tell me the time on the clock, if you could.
1:13
